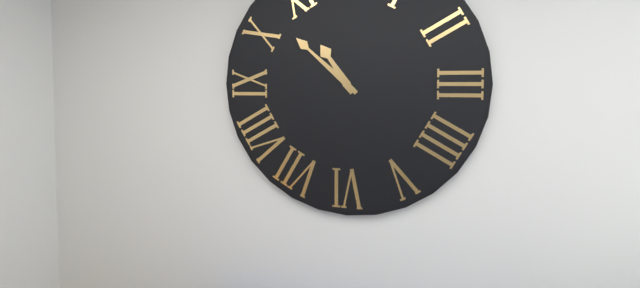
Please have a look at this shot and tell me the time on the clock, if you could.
10:52
